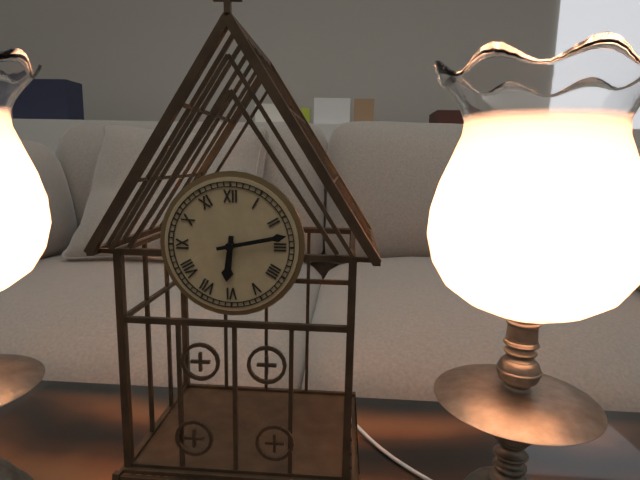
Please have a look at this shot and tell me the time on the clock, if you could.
6:13
